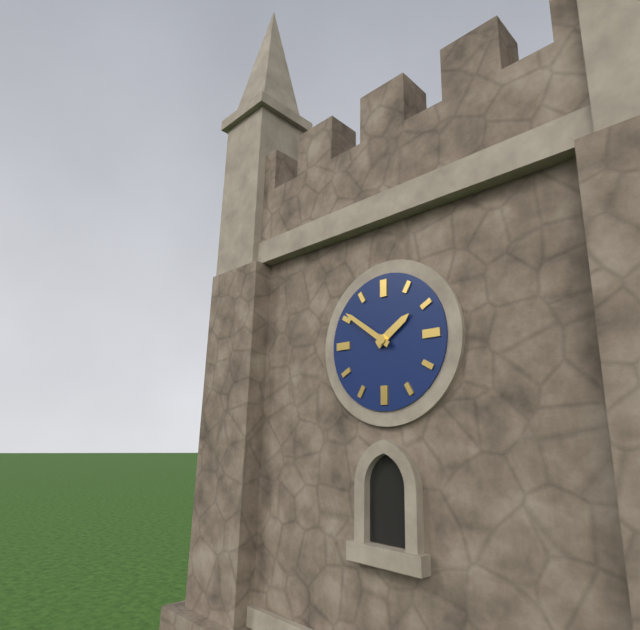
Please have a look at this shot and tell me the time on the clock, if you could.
1:51
